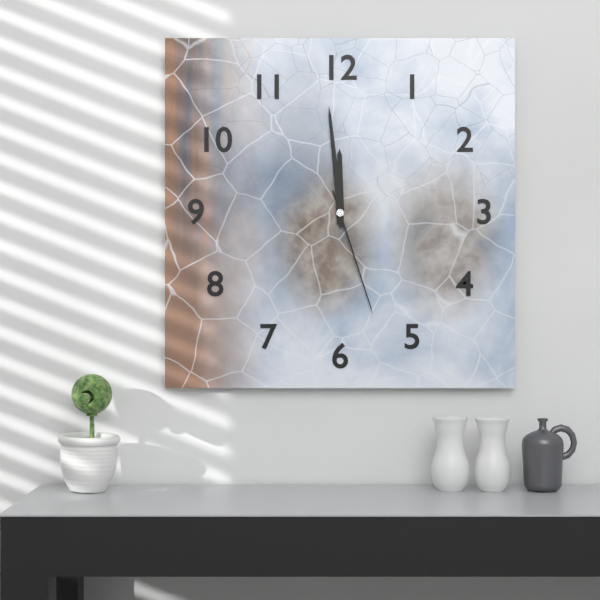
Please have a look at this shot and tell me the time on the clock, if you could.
11:59:27
